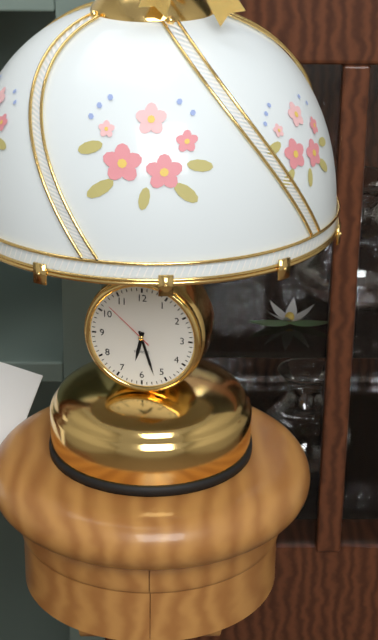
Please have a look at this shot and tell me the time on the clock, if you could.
6:27:52
